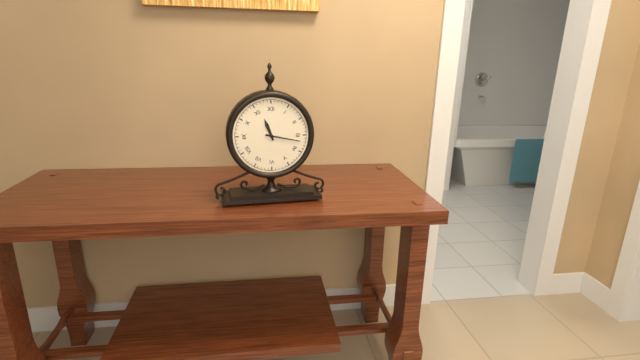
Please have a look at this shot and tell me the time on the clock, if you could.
11:17
